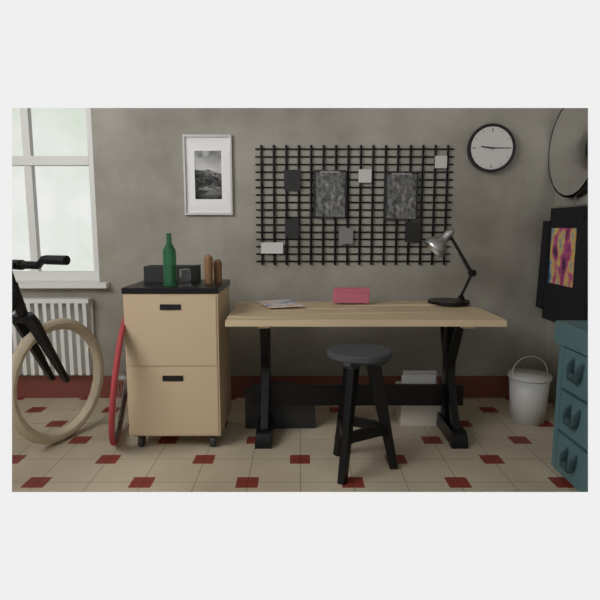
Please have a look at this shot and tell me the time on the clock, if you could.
9:15
